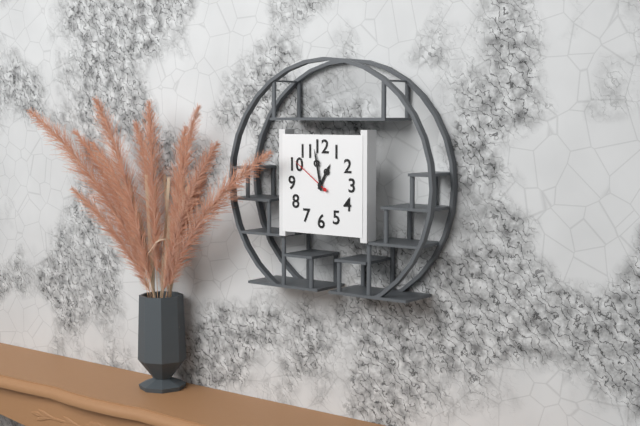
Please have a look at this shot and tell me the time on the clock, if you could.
12:58
